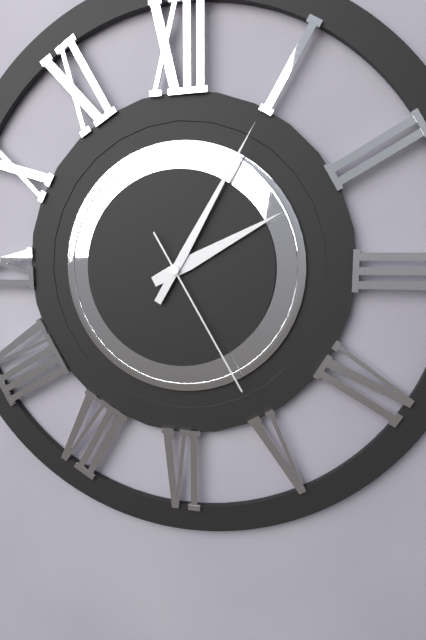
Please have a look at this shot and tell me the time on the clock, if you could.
2:05:25
